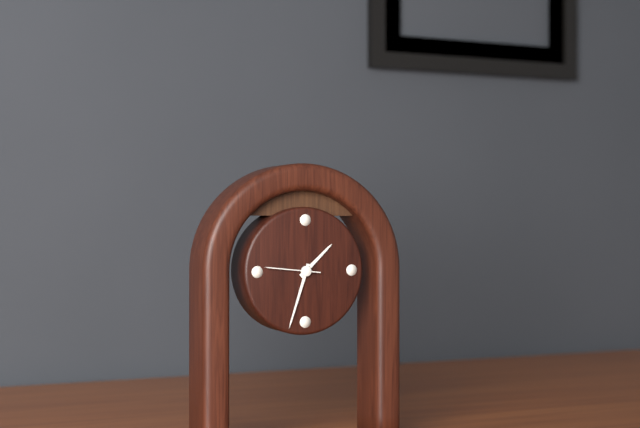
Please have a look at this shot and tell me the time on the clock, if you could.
1:33:46
